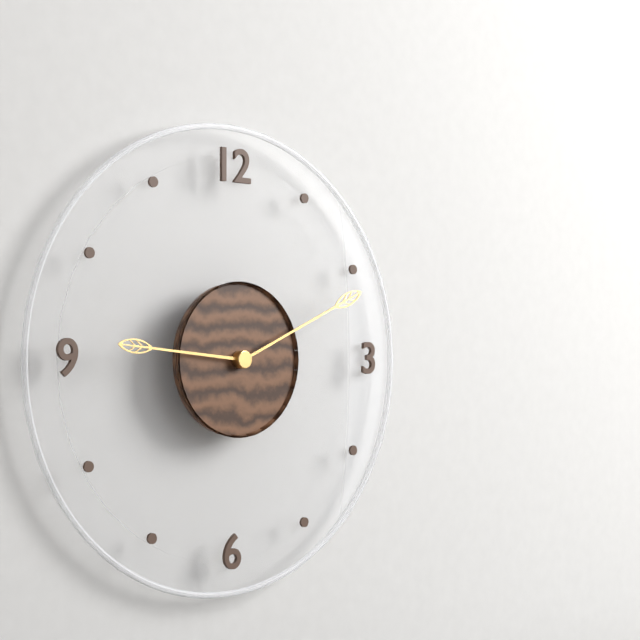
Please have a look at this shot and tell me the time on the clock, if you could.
9:11
